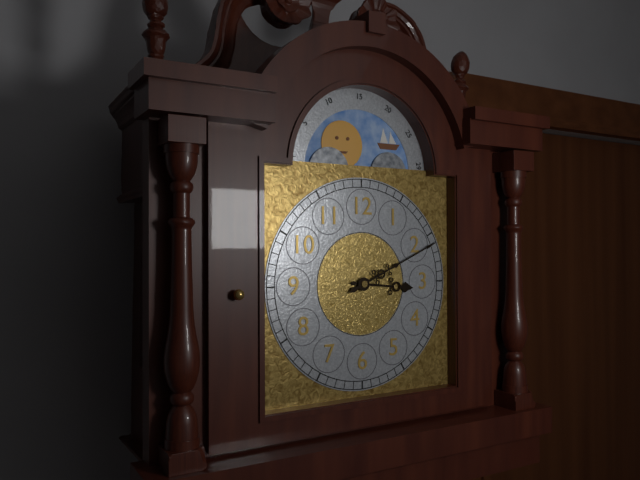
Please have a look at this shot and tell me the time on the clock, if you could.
3:11
